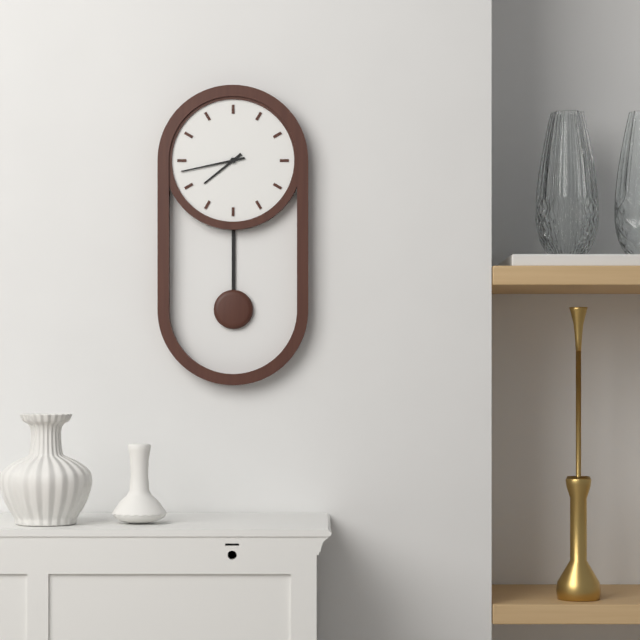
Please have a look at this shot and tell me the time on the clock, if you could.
7:43
